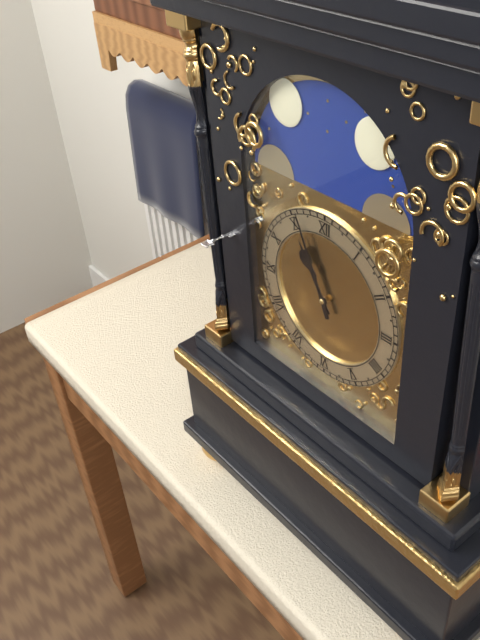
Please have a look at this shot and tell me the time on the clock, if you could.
10:56
